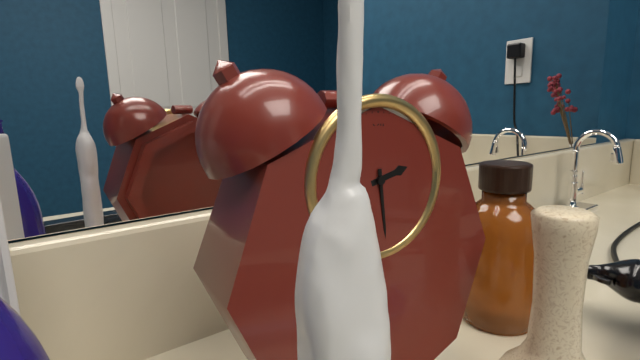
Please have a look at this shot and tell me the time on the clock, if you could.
2:29
